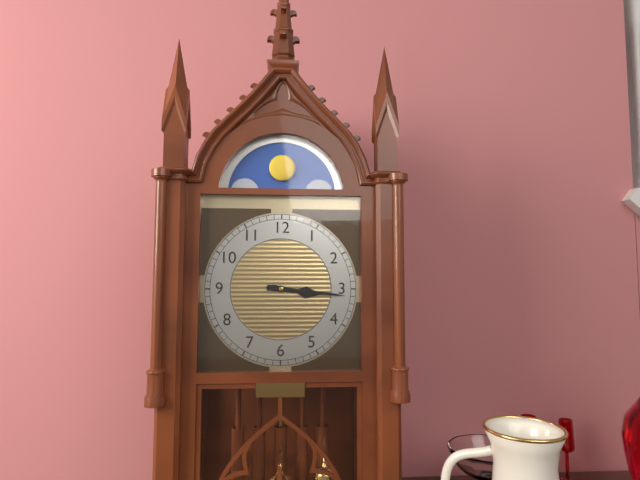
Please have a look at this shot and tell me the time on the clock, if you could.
3:16
